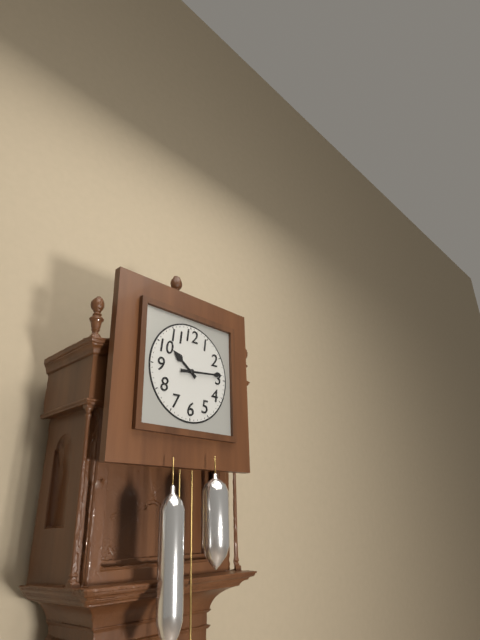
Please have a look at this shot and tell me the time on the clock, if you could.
10:14
